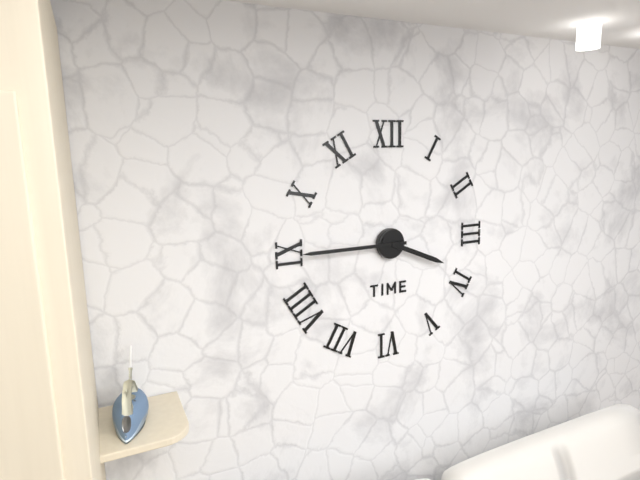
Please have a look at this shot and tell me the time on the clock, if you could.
3:45
